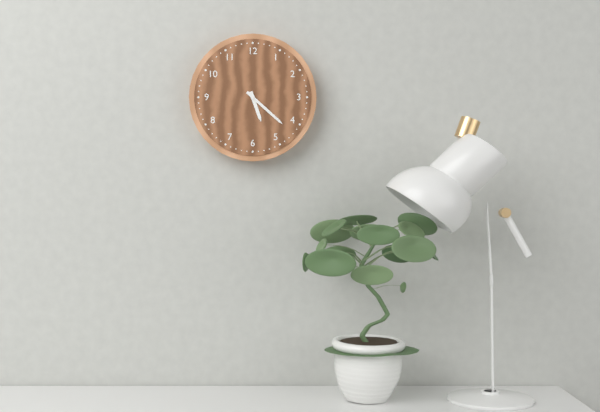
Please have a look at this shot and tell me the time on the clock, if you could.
5:22
